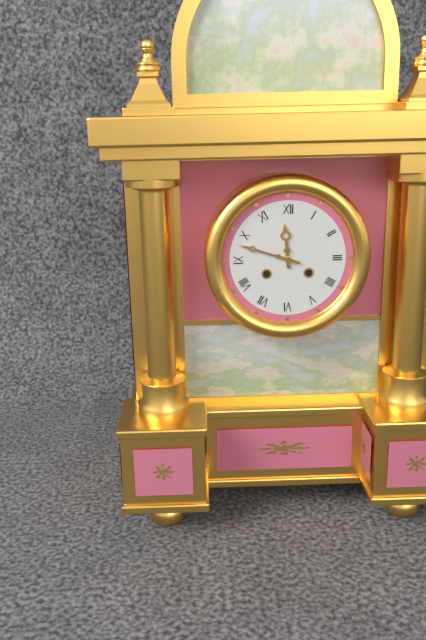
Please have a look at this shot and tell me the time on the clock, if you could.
11:48
